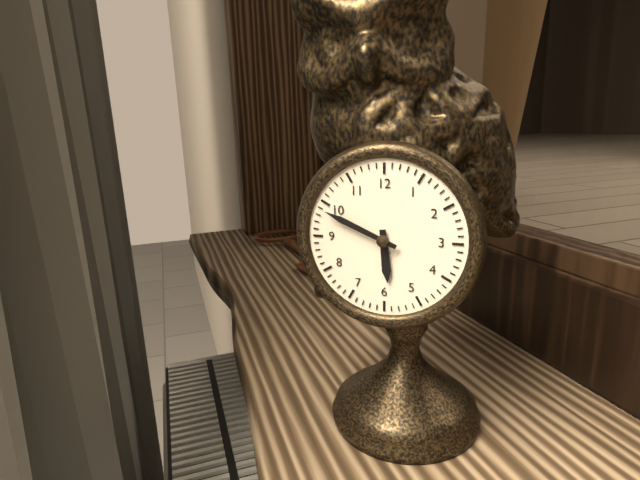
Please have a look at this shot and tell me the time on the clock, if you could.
5:49
